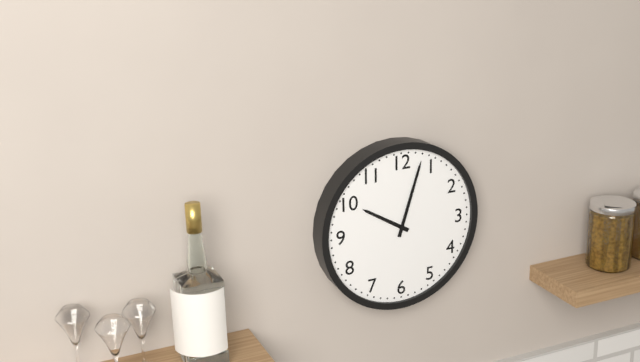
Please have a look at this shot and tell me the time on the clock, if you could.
10:03
